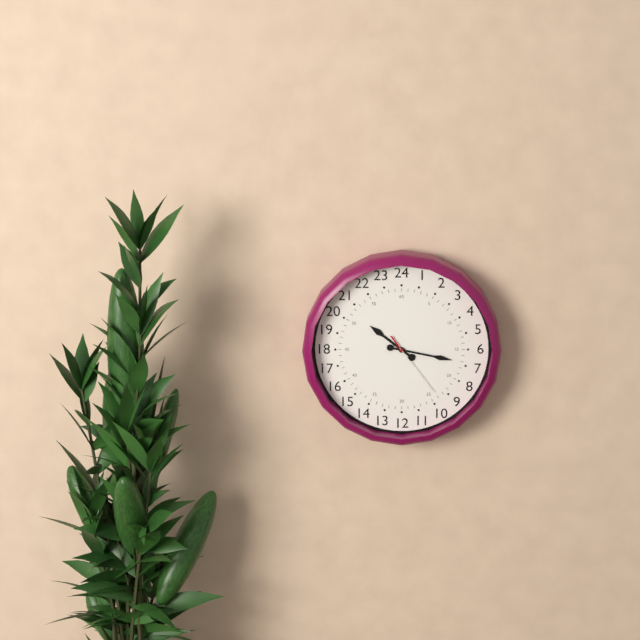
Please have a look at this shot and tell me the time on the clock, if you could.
10:17:24
